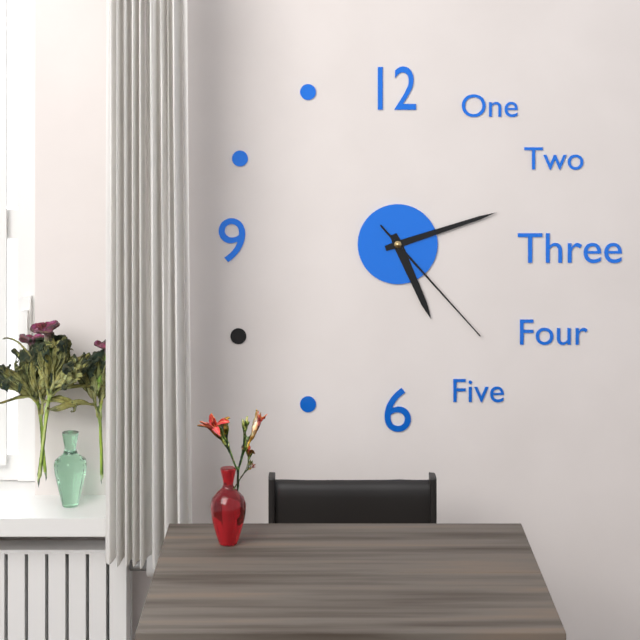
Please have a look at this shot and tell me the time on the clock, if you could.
5:12:23
